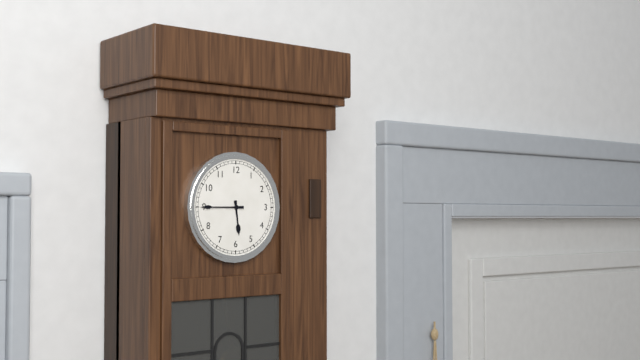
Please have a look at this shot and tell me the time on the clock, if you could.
5:45
